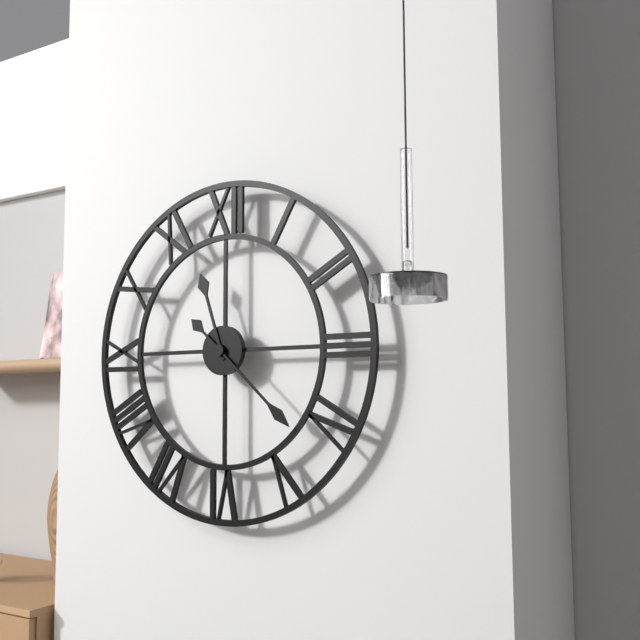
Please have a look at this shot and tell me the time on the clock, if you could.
11:22
